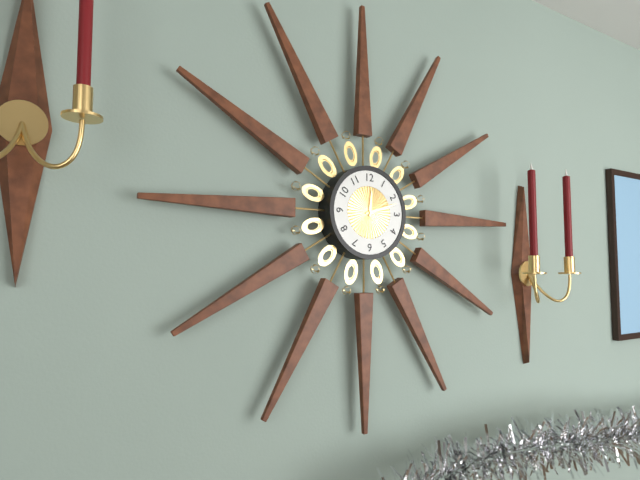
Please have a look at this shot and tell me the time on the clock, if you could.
12:12
